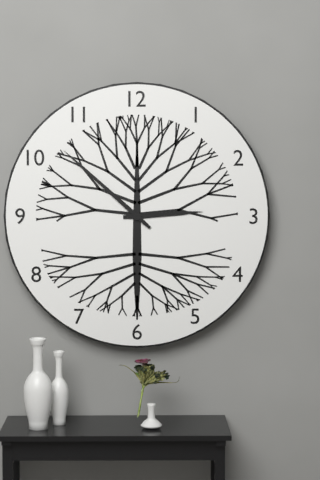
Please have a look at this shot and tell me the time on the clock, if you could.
2:52
